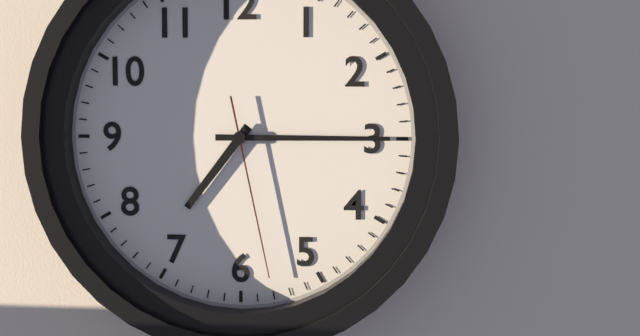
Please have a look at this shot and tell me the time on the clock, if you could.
7:15:28
